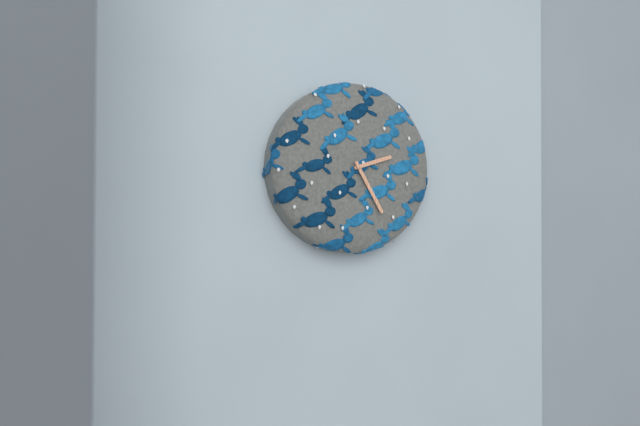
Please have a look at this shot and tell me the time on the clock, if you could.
2:25
